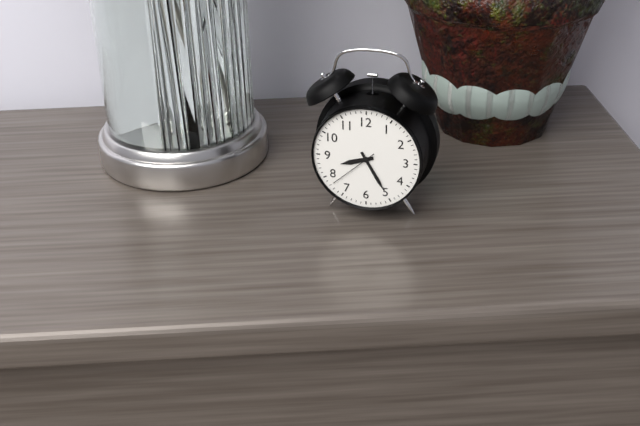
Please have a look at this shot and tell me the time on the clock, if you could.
8:25
